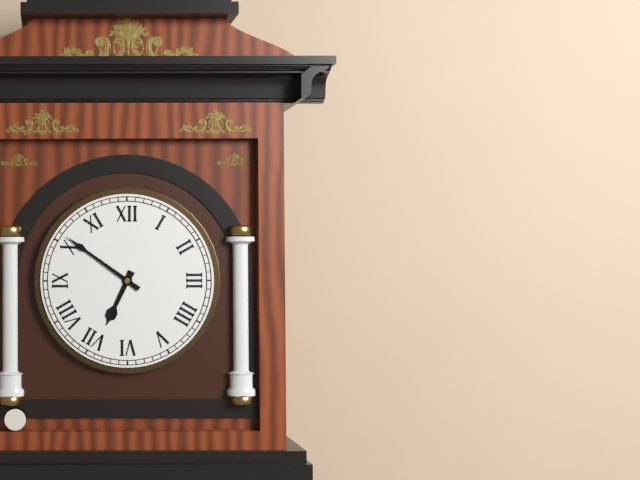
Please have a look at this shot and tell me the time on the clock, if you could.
6:51
